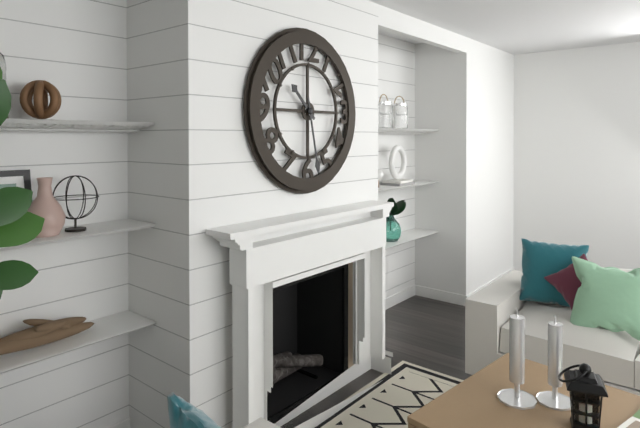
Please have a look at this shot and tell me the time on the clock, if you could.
10:28
